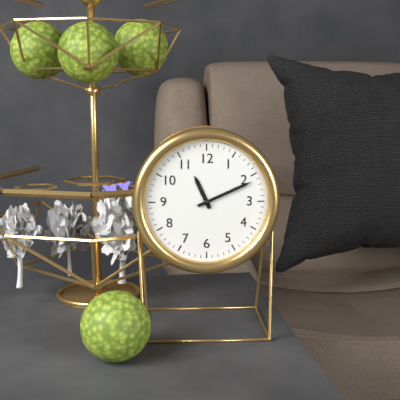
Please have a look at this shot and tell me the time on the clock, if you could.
11:11
